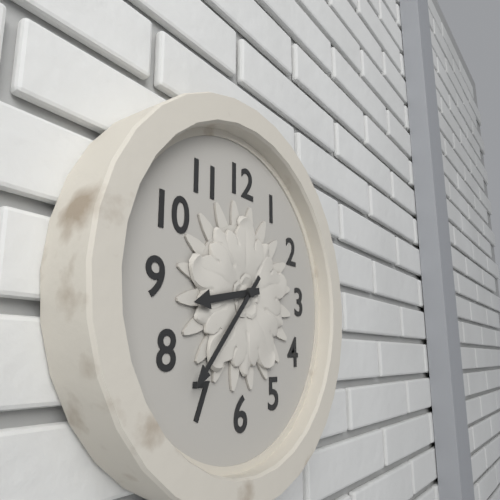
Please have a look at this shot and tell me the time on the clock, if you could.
8:37
